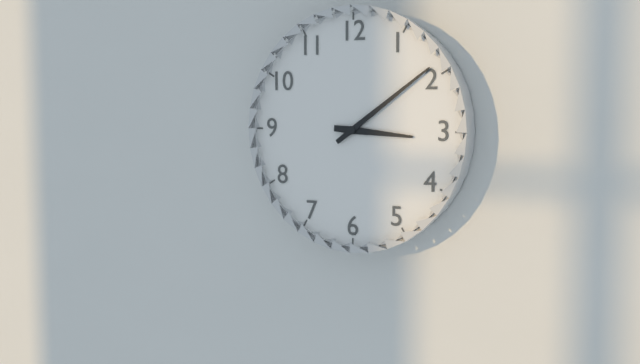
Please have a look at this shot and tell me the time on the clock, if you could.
3:09
